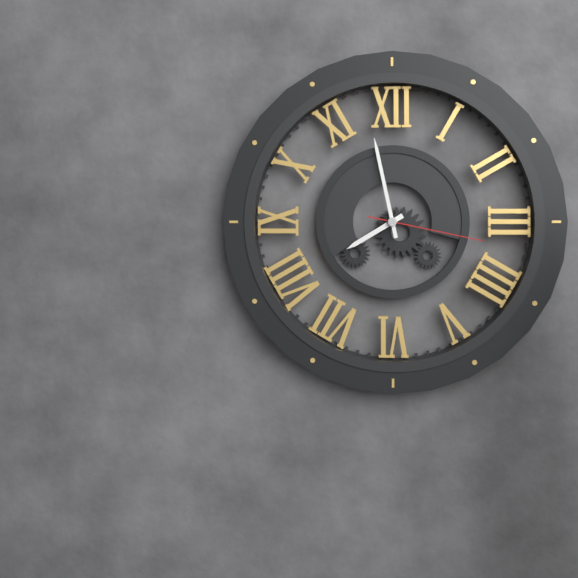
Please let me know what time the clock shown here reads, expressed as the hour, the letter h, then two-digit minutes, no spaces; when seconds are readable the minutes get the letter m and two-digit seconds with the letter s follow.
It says 7h58m17s
